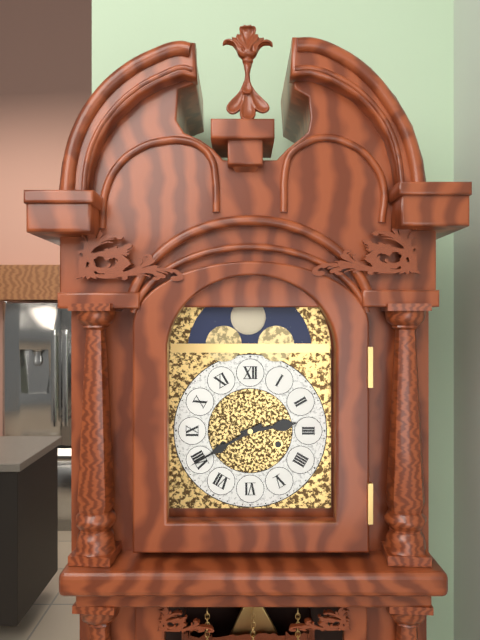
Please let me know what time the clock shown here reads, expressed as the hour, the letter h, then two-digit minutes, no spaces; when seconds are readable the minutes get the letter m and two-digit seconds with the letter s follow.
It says 2h40
